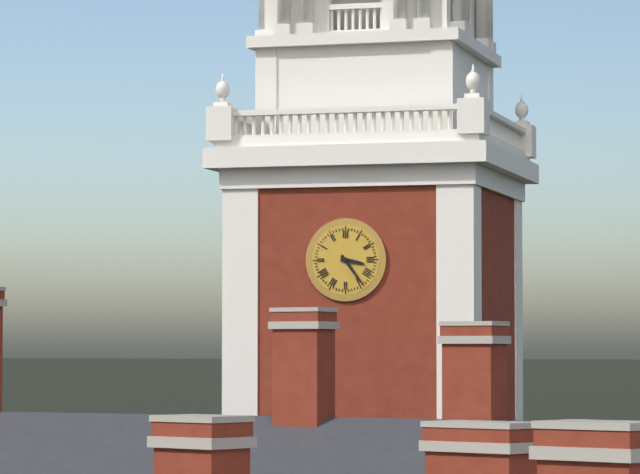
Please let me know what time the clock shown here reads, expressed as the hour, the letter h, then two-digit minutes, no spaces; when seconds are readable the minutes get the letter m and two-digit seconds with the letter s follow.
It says 3h24
